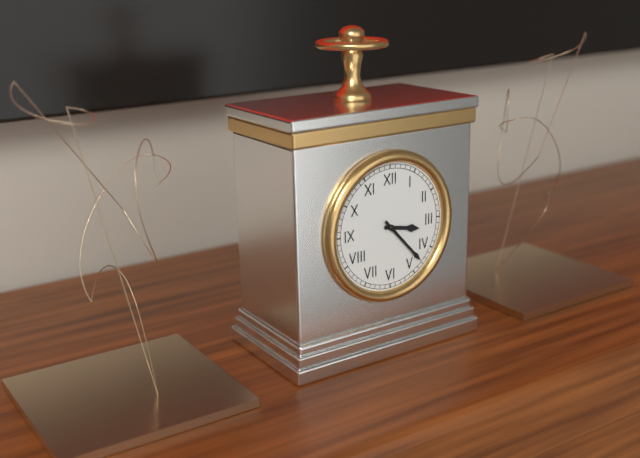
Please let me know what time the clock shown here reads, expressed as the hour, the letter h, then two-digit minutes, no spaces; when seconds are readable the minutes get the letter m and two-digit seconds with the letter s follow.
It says 3h23
